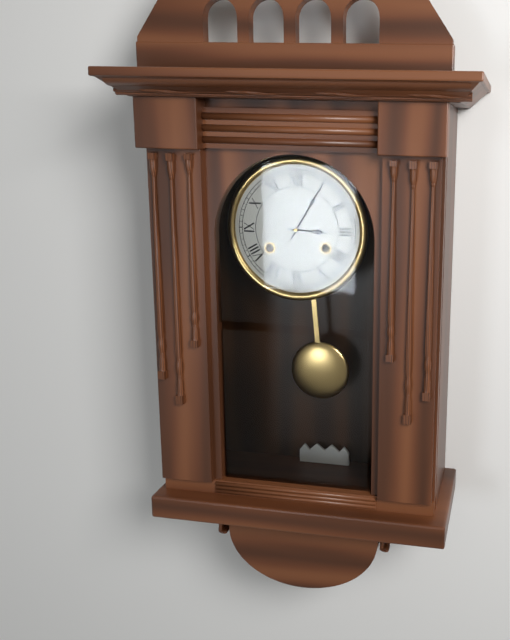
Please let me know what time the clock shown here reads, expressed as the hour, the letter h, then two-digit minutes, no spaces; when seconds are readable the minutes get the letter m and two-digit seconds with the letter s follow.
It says 3h05
